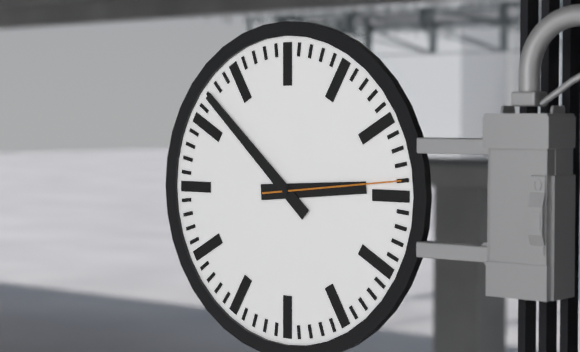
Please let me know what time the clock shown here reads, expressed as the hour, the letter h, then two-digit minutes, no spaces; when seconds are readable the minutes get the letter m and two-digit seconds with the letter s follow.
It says 2h52m14s
